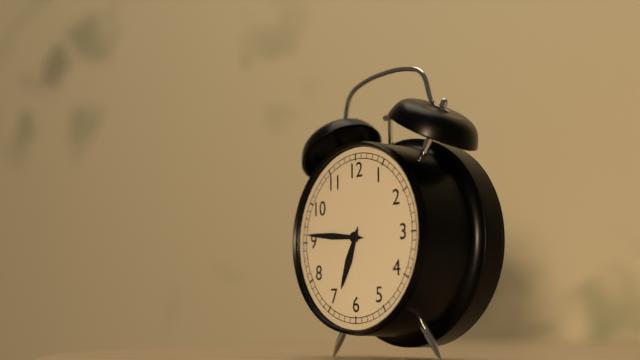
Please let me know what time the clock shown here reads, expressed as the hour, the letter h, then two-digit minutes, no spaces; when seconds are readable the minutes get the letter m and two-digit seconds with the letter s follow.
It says 6h46
